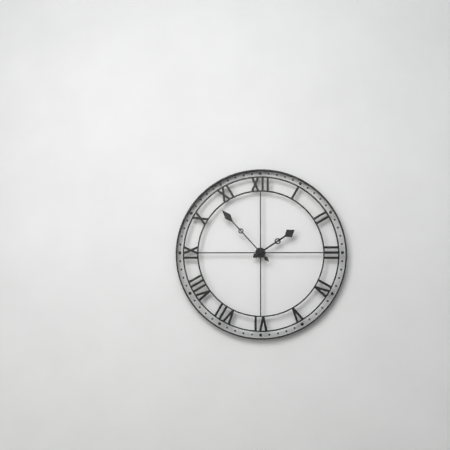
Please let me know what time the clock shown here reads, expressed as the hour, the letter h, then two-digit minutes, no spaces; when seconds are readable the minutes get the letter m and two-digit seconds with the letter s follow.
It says 1h53
